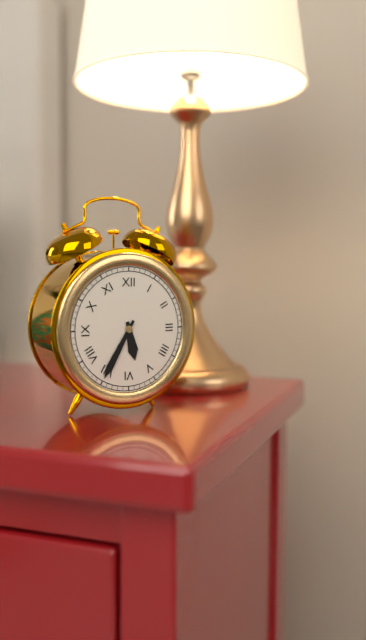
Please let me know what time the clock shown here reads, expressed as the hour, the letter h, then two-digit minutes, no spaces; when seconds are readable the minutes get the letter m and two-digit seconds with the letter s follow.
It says 5h35
